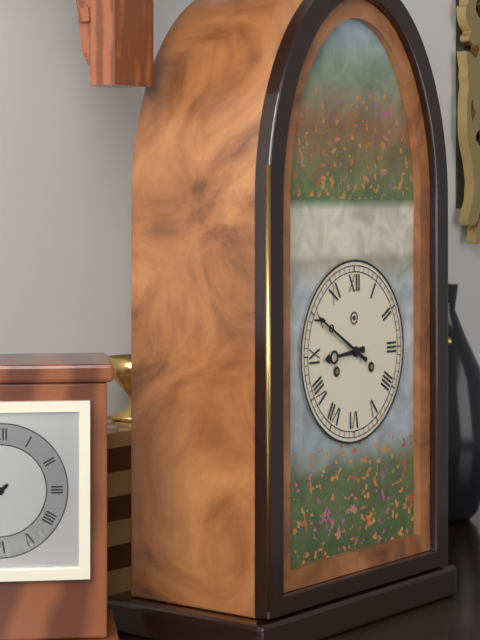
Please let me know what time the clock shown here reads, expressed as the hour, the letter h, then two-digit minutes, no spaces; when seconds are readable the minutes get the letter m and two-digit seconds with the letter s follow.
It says 8h50
